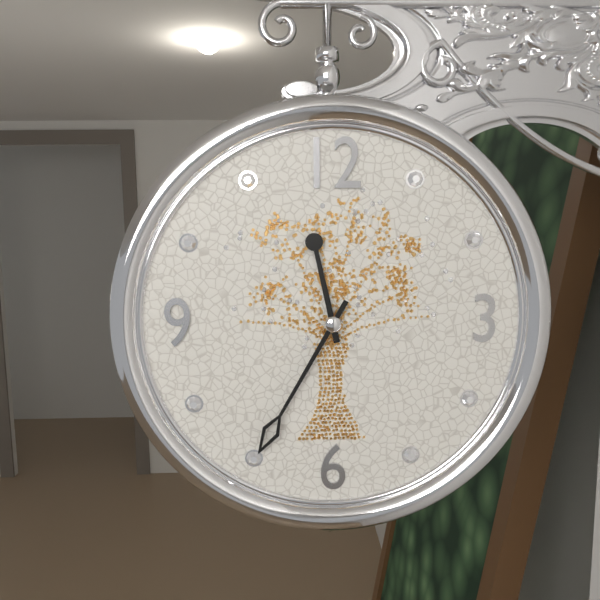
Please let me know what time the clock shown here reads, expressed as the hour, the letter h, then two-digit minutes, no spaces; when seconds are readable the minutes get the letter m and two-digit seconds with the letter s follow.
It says 11h35
